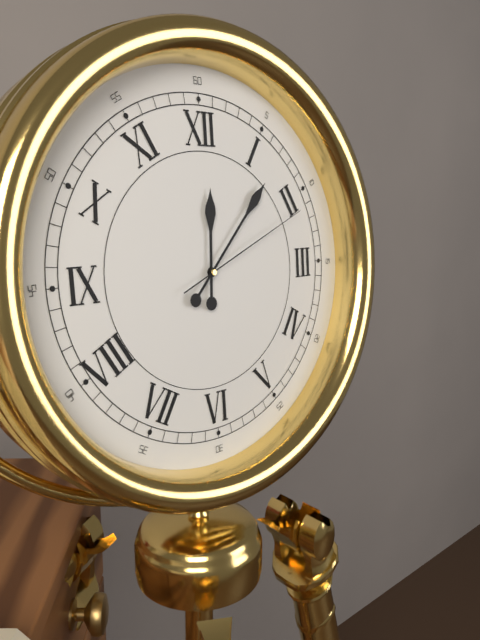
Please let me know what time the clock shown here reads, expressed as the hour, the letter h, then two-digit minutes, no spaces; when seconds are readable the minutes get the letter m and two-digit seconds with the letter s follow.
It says 12h07m11s
